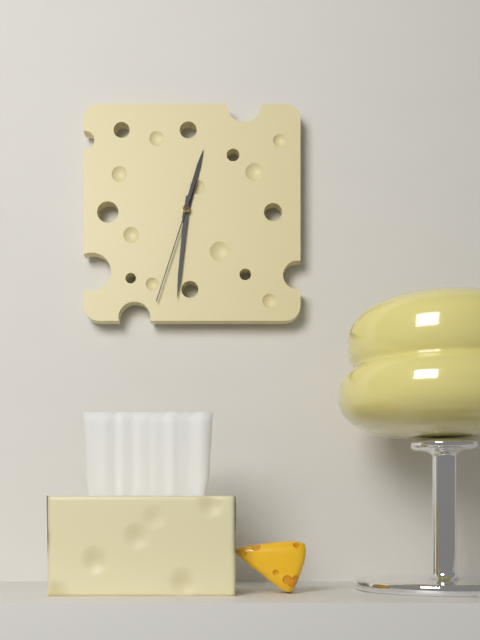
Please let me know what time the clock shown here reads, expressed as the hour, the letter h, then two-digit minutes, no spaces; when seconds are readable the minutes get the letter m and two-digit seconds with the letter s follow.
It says 12h31m33s
